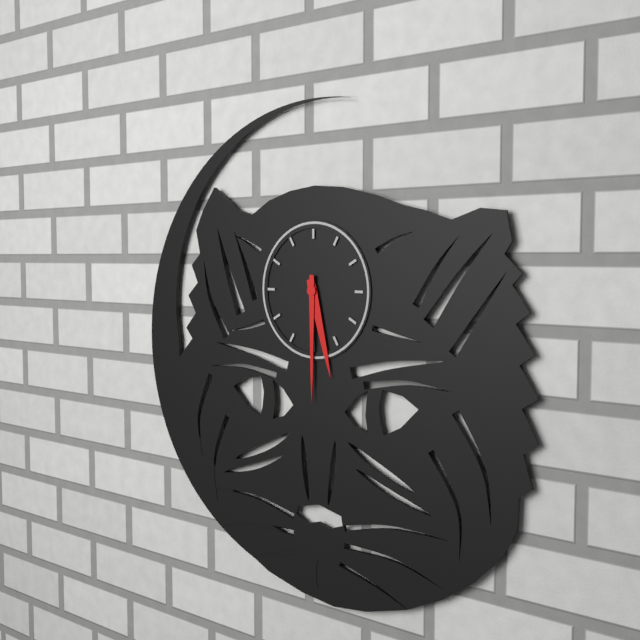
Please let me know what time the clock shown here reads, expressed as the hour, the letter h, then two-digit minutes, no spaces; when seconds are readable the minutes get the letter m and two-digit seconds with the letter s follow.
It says 5h30
